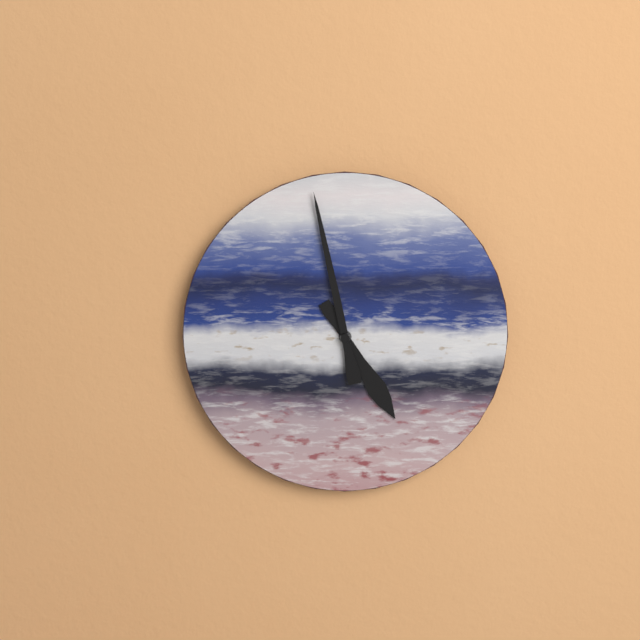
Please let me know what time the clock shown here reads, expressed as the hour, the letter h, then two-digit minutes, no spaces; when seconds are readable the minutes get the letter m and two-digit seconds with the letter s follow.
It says 4h58
